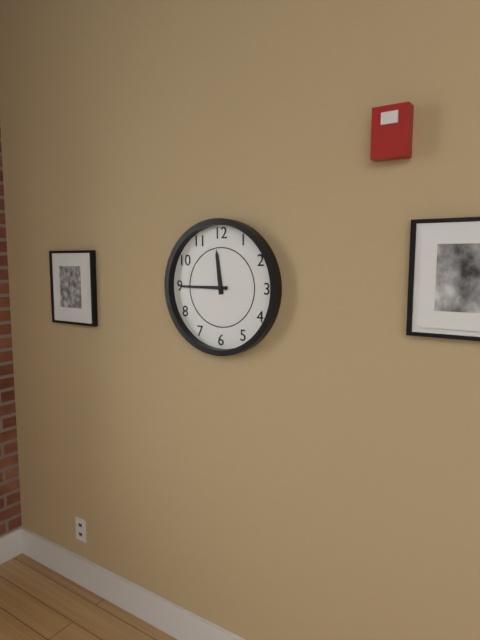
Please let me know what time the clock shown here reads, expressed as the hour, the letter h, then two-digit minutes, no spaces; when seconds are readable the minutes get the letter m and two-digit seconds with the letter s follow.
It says 11h45
